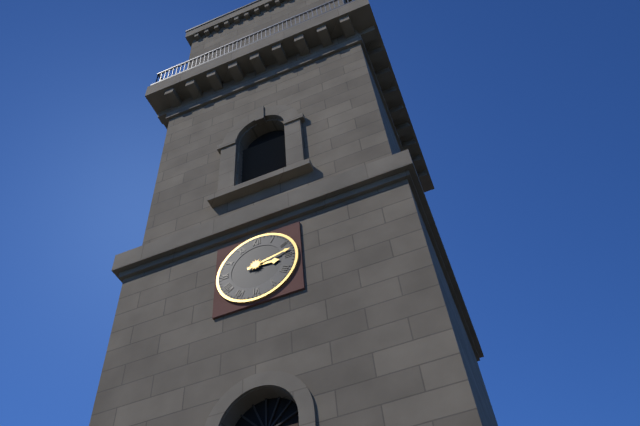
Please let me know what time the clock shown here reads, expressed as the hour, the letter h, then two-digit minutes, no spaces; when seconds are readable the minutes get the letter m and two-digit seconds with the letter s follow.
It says 3h13
